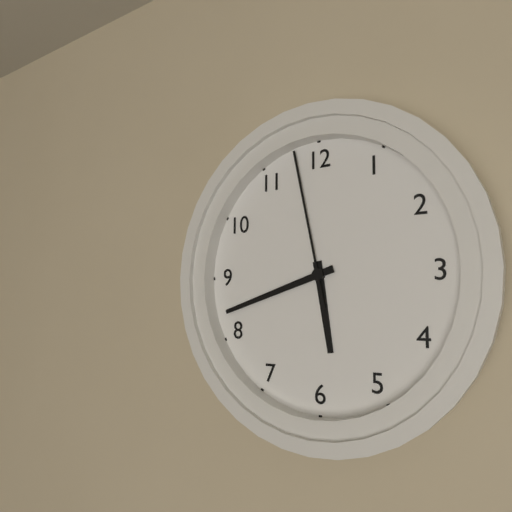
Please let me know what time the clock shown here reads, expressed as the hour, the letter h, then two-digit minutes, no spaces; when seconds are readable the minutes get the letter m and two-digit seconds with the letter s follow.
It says 5h42m58s
